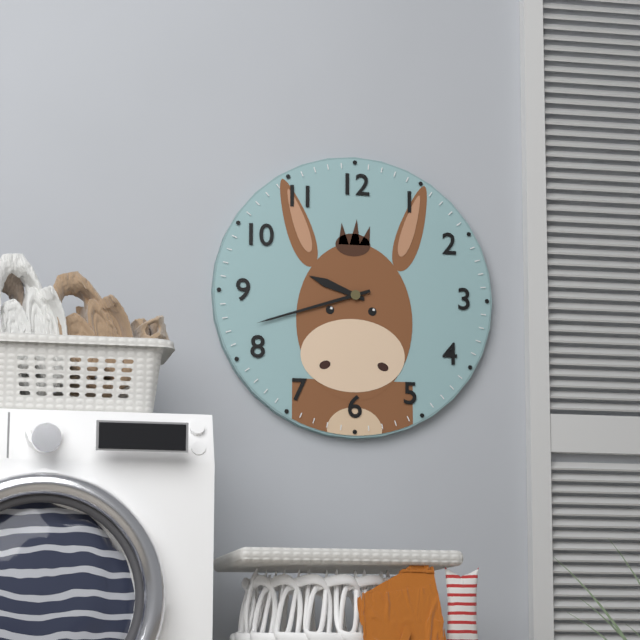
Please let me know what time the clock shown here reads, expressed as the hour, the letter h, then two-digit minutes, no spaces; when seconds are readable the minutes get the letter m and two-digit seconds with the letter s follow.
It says 9h42
